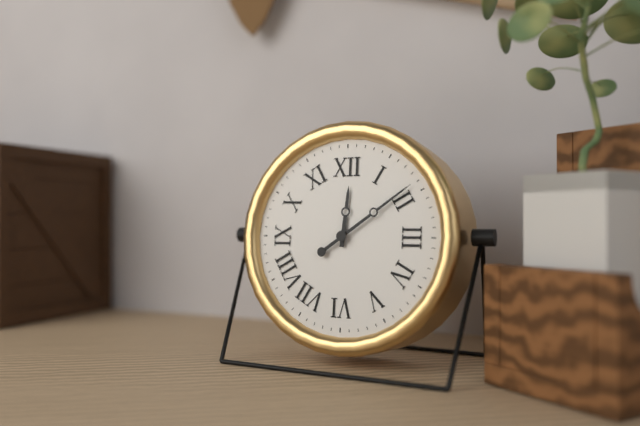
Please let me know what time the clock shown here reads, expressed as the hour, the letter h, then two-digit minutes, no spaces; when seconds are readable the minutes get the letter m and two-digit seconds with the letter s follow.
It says 12h09
